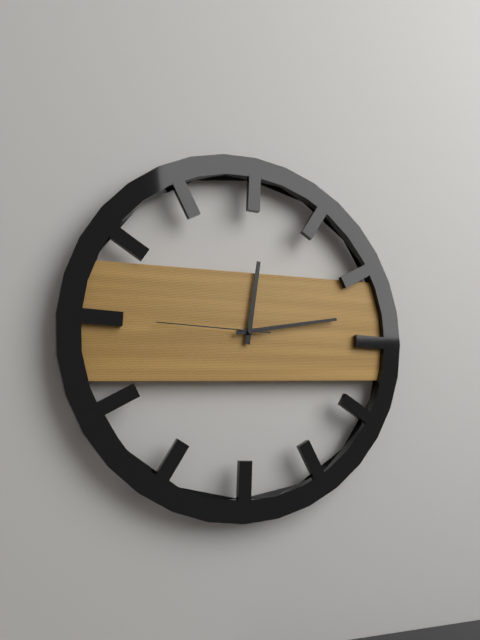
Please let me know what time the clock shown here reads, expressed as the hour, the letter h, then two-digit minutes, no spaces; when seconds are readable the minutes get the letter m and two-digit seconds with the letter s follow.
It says 12h13m45s
